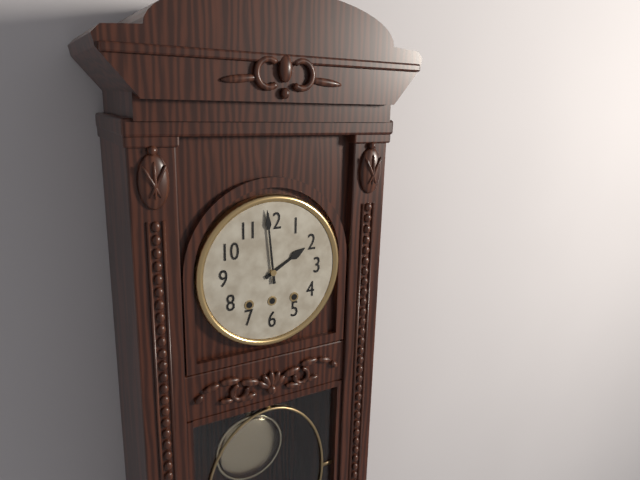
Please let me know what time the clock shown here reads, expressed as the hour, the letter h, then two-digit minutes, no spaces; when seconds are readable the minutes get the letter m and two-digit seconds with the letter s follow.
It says 1h59
